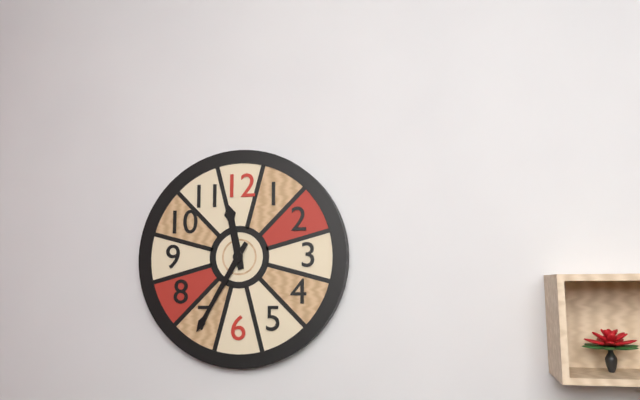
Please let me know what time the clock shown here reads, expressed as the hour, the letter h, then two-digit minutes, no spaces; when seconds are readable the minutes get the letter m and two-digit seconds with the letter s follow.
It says 11h35
